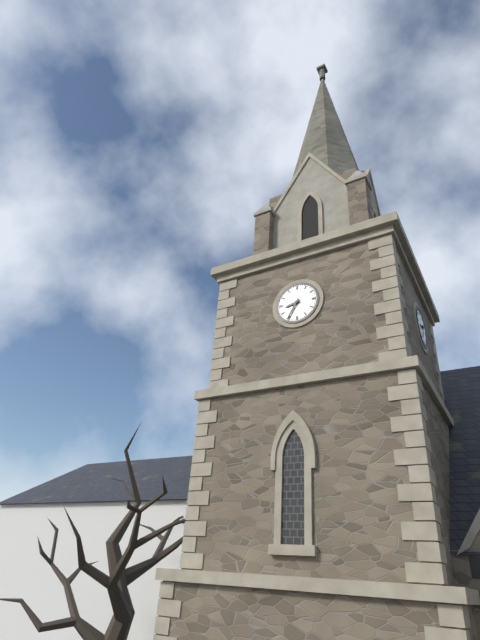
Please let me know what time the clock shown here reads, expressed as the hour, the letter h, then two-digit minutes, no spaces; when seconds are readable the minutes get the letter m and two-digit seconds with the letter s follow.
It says 8h35
